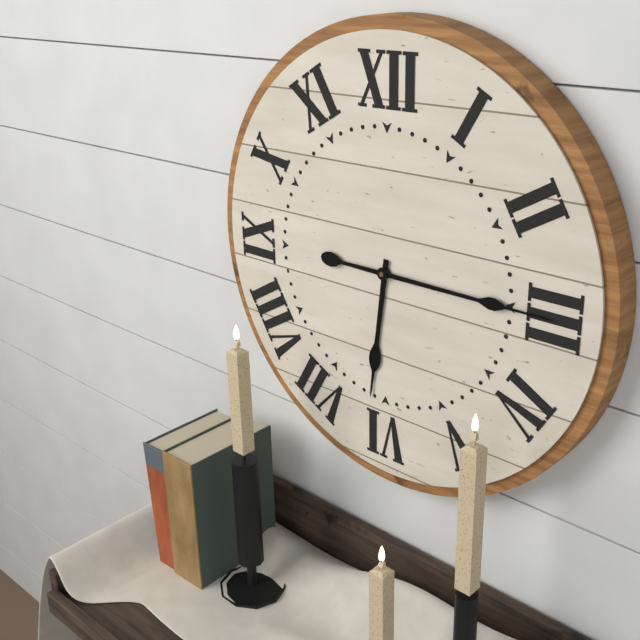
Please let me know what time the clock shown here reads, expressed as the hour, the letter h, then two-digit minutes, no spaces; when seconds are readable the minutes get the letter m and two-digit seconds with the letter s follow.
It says 6h15
